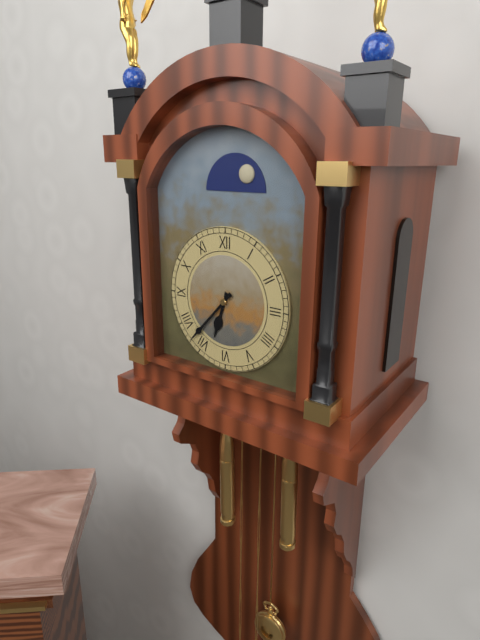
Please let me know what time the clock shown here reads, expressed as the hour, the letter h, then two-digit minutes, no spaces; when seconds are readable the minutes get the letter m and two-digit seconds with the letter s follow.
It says 6h37
